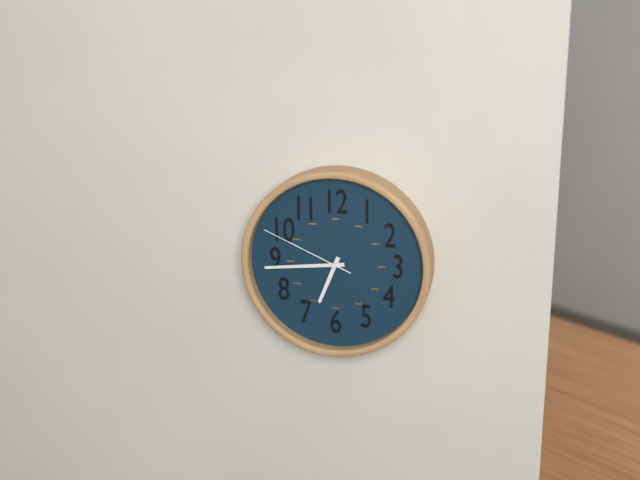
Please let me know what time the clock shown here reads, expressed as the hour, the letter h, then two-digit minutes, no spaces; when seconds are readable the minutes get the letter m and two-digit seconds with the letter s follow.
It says 6h44m49s
